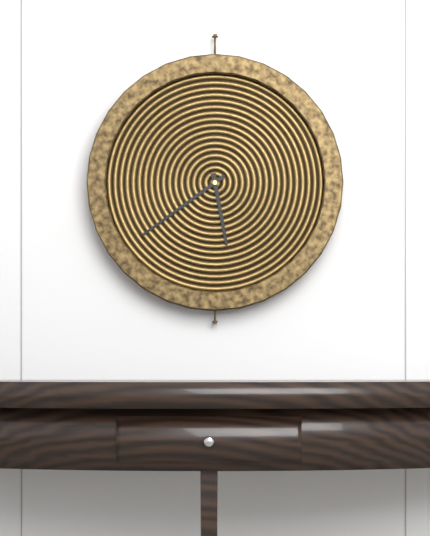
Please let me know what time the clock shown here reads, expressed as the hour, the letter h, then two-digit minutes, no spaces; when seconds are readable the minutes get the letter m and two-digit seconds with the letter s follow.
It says 5h39
